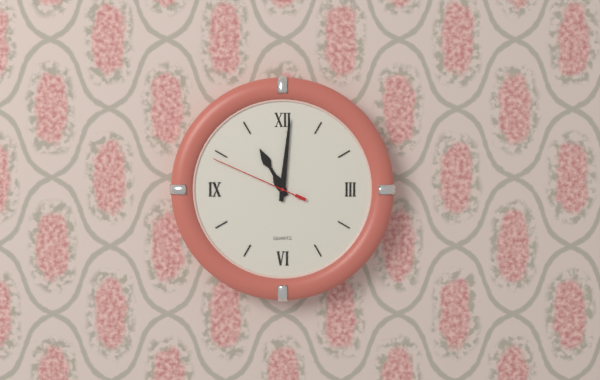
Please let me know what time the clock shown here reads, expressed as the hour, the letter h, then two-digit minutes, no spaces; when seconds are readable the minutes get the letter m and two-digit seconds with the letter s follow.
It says 11h01m49s
